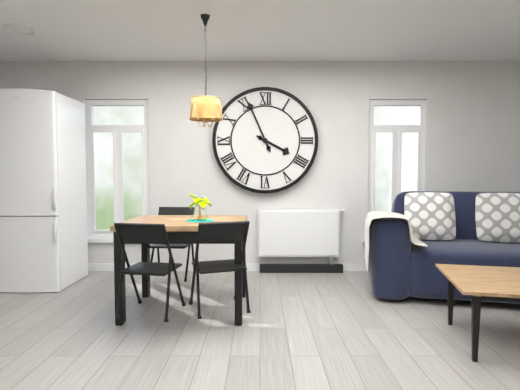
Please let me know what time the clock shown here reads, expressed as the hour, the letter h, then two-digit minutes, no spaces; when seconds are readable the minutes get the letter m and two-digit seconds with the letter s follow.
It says 3h56
